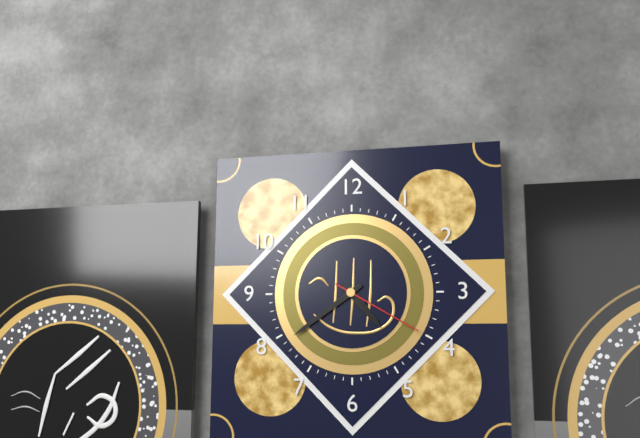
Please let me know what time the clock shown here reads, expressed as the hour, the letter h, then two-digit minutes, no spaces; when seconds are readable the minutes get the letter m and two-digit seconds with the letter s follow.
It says 4h39m20s
